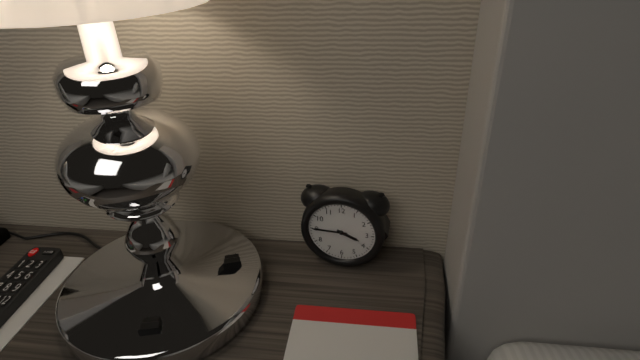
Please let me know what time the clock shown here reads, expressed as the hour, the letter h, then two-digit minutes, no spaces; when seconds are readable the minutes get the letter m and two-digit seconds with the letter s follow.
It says 3h45
